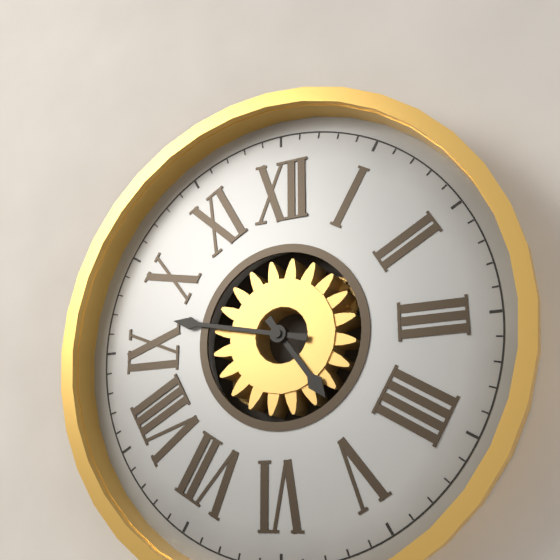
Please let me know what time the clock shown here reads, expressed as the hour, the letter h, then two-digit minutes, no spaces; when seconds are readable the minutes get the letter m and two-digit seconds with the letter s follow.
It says 4h47
